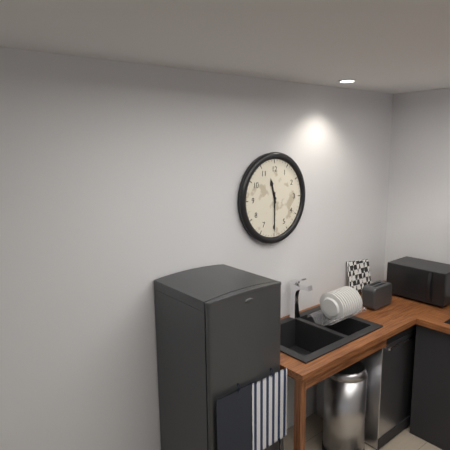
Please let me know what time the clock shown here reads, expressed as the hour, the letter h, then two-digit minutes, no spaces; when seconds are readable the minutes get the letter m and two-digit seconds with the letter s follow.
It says 11h30
